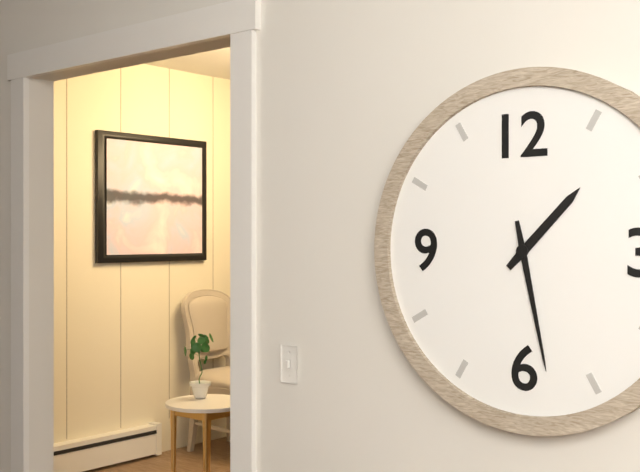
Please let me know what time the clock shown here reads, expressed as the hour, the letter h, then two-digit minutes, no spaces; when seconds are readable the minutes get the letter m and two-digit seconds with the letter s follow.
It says 1h28
